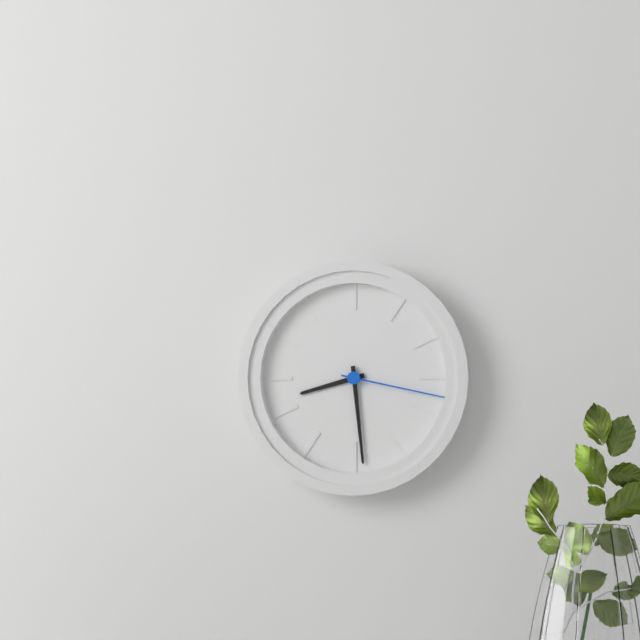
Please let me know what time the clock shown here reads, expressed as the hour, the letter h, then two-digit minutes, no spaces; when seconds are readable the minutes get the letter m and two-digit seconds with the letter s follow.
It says 8h29m17s
